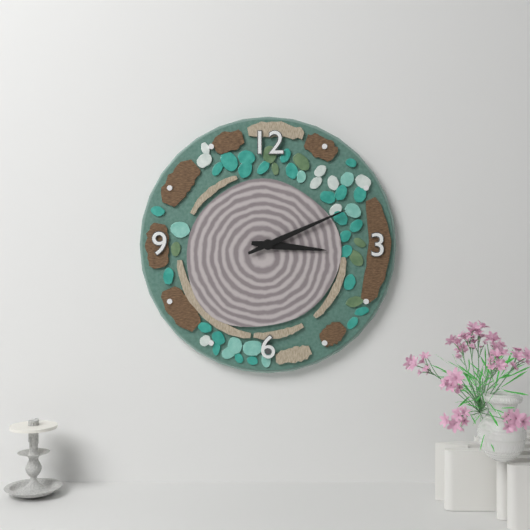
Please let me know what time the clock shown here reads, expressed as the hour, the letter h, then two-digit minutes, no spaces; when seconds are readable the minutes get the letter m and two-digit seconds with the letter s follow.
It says 3h11
